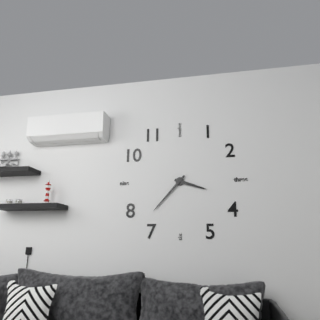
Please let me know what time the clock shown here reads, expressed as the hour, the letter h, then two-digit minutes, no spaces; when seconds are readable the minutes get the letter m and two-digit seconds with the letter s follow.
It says 3h37
